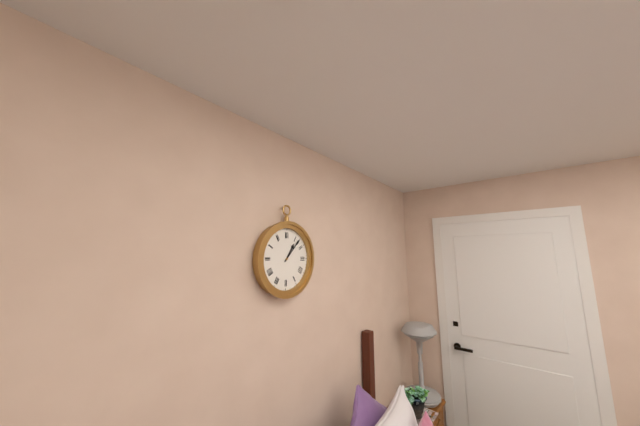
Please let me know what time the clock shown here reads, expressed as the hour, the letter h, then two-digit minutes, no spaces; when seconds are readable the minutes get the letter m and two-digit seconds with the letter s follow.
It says 1h07
